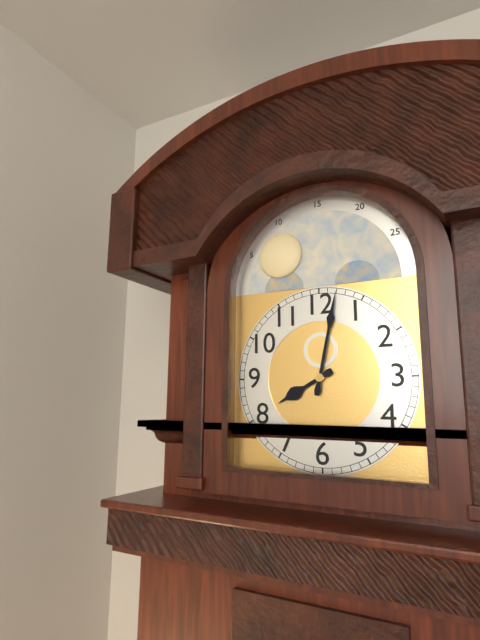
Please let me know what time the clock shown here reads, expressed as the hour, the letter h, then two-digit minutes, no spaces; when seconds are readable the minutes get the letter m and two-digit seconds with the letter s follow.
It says 8h02
